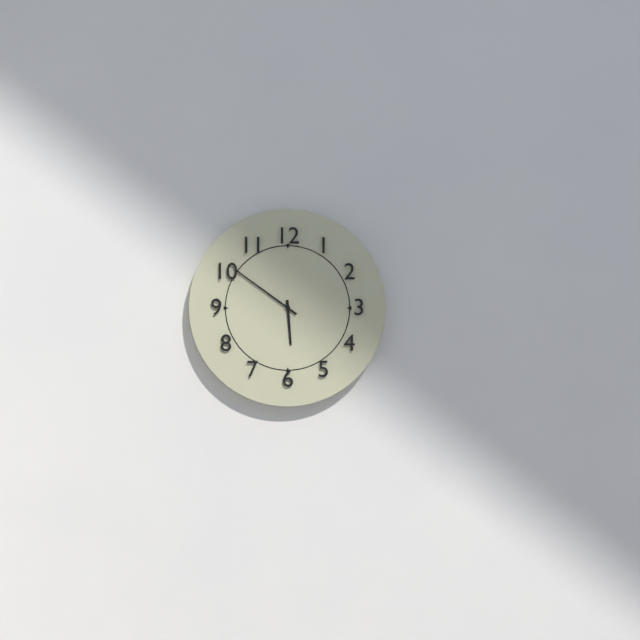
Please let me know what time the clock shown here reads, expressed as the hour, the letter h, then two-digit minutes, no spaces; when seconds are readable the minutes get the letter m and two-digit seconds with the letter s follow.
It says 5h51
